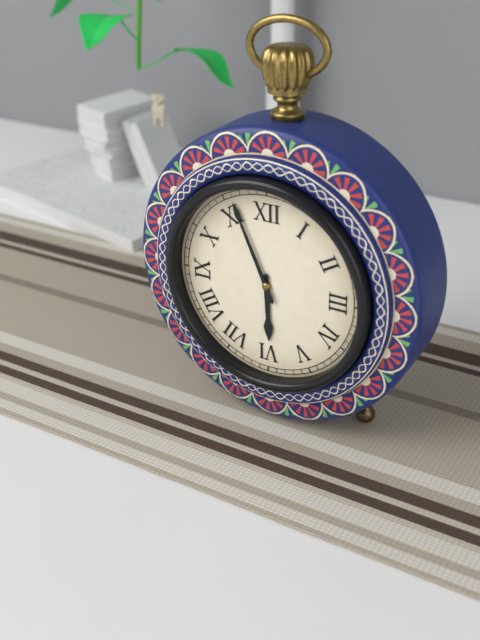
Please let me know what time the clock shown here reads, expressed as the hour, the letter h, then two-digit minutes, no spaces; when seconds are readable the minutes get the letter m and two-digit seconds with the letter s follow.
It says 5h56
